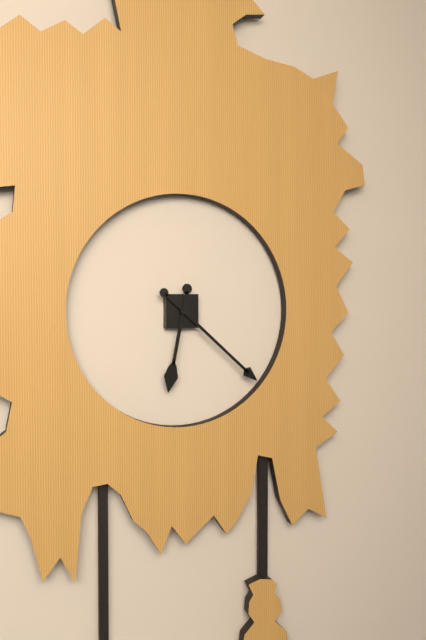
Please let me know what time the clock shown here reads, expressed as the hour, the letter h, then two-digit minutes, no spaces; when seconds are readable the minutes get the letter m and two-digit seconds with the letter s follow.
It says 6h22
